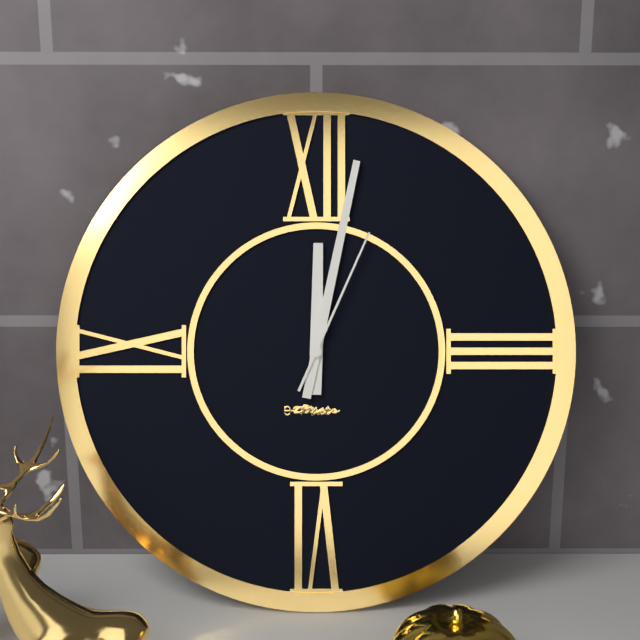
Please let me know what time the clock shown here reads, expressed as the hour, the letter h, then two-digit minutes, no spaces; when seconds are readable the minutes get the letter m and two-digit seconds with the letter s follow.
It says 12h02m04s
